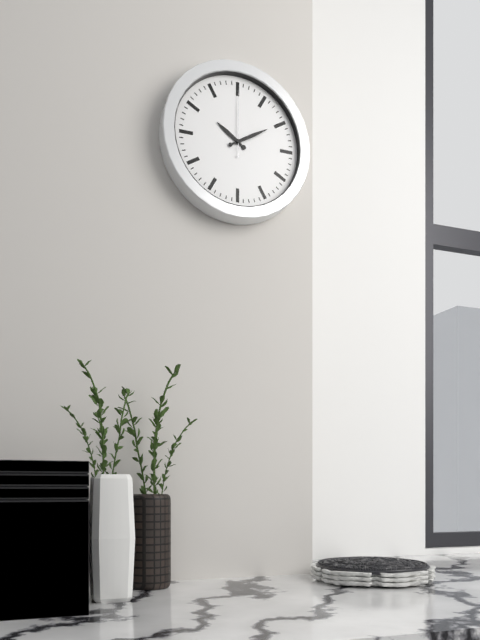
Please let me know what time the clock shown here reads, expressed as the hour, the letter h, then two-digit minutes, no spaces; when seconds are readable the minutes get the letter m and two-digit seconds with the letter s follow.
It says 10h10m00s
